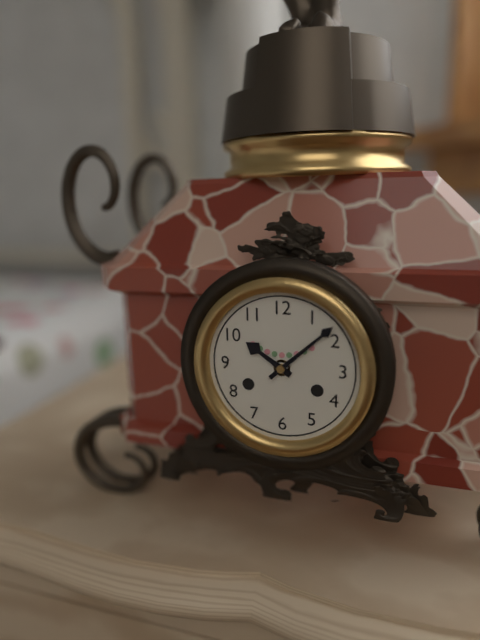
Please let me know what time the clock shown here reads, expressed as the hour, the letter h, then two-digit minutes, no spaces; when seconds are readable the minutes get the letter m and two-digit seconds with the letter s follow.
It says 10h08
